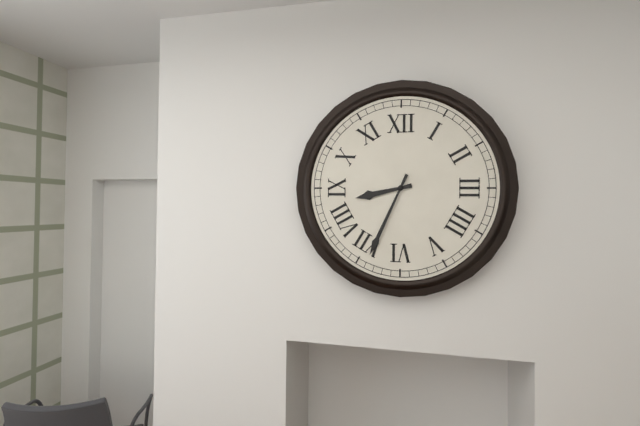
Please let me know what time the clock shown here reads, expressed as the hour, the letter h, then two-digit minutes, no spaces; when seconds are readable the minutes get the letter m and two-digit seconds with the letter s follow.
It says 8h34
